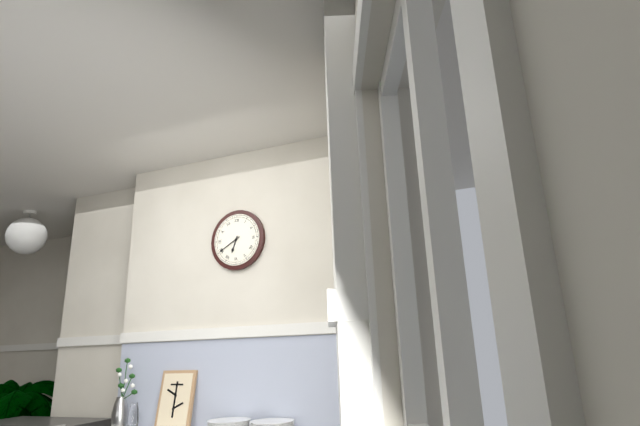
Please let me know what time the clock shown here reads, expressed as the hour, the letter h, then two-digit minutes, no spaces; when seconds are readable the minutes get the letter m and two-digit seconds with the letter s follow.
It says 6h40
